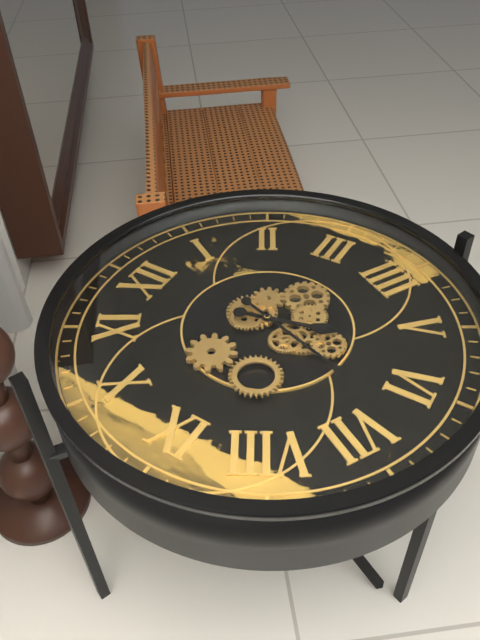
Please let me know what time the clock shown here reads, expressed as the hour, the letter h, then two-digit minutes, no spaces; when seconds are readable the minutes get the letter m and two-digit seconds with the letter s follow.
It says 5h33
